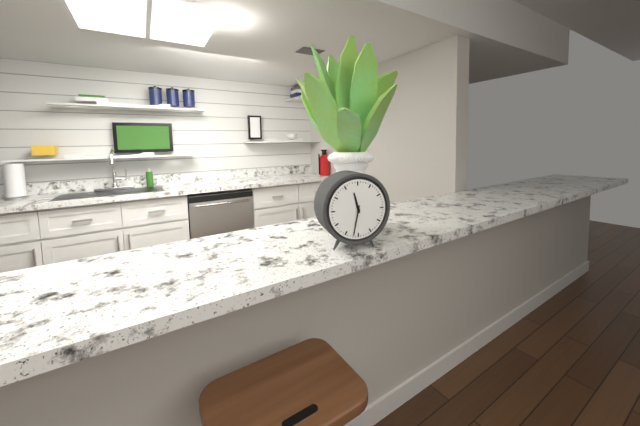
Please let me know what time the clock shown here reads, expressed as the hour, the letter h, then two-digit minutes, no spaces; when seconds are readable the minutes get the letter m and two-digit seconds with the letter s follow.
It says 11h32
